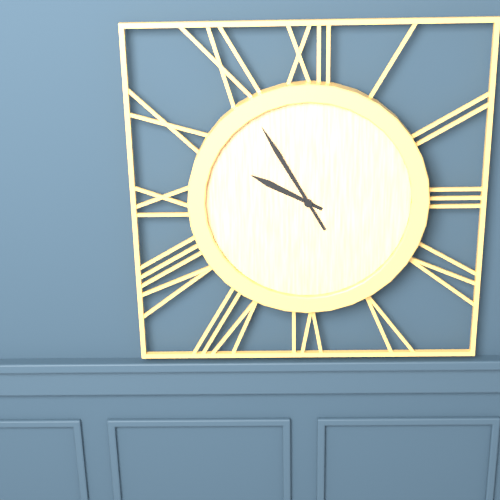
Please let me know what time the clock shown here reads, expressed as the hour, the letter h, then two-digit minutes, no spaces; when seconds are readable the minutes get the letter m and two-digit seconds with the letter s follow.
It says 9h55
